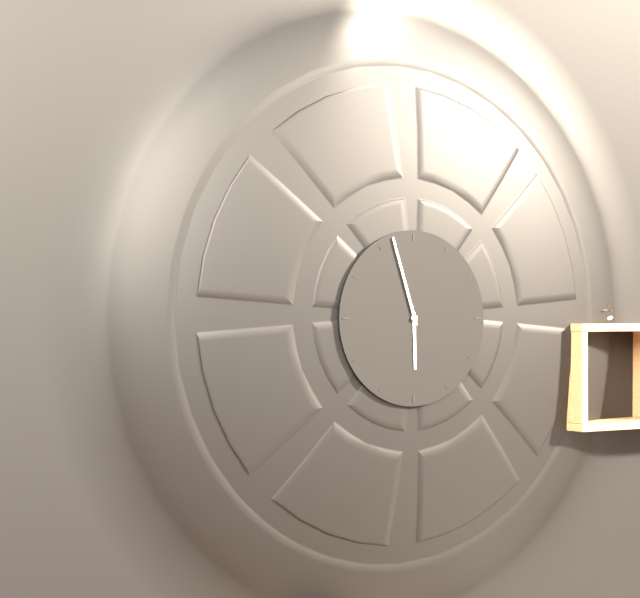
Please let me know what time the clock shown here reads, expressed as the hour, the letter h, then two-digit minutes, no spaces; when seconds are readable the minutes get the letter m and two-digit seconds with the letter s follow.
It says 5h57
